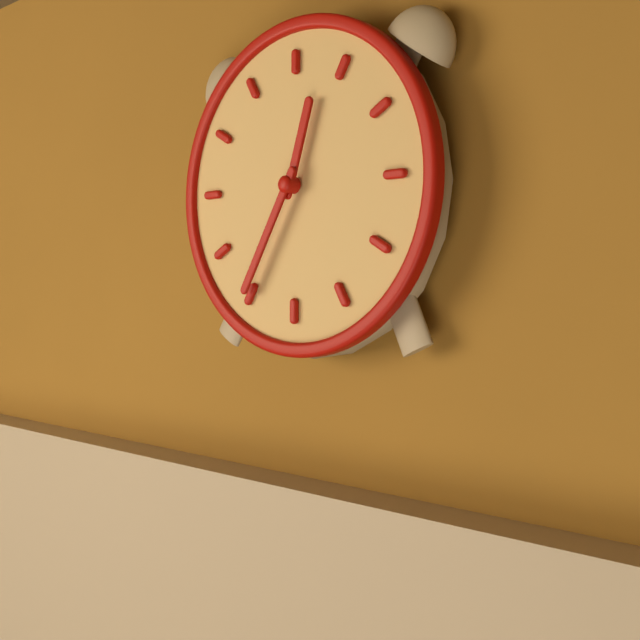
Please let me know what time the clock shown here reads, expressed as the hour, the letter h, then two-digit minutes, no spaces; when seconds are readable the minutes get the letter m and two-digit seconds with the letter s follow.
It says 12h35
